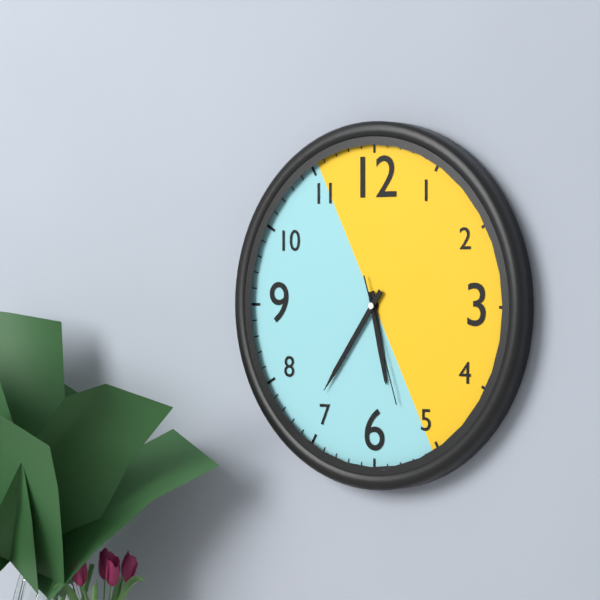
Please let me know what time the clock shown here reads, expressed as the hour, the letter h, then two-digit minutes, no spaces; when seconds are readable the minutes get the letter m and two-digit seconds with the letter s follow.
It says 5h36m27s
